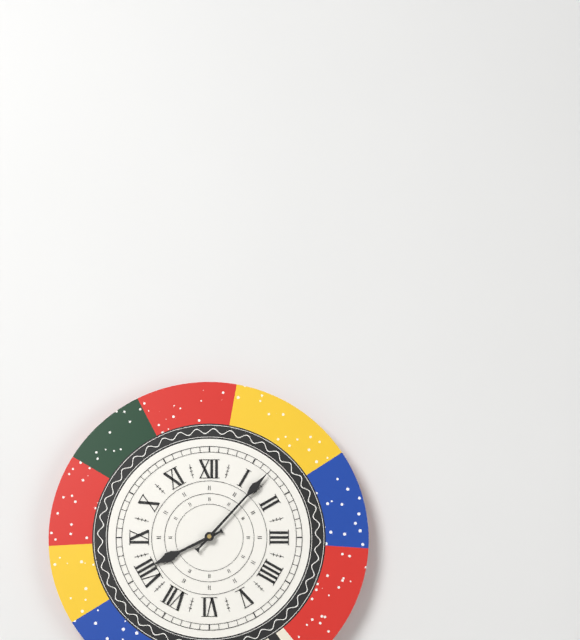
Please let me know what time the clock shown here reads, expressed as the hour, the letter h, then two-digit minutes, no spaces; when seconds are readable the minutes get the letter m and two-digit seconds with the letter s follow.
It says 8h07
